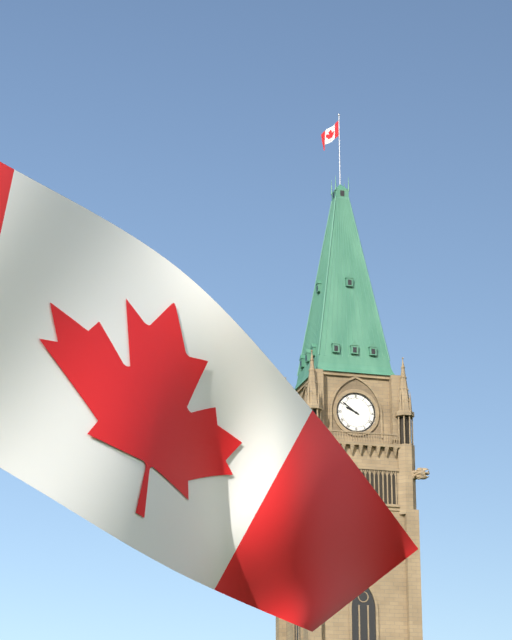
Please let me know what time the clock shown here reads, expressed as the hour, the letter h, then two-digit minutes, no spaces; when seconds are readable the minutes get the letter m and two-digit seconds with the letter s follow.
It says 9h51
